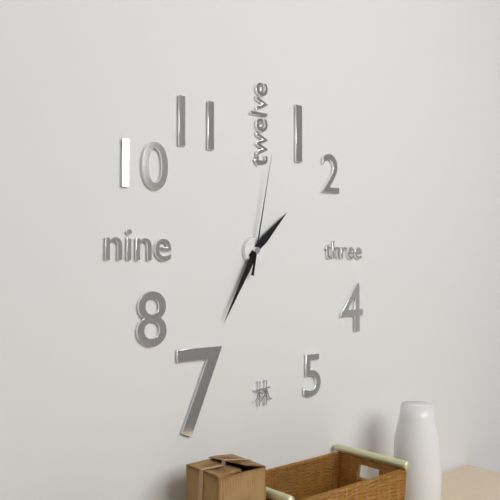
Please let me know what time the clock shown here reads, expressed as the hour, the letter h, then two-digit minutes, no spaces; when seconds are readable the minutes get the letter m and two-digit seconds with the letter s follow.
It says 1h35m02s
